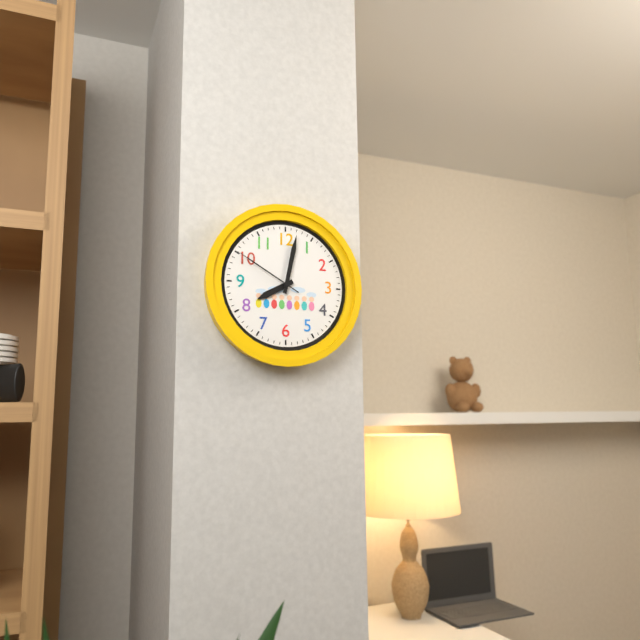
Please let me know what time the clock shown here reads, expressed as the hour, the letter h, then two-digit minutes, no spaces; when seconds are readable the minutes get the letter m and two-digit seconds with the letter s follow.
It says 8h02m50s
